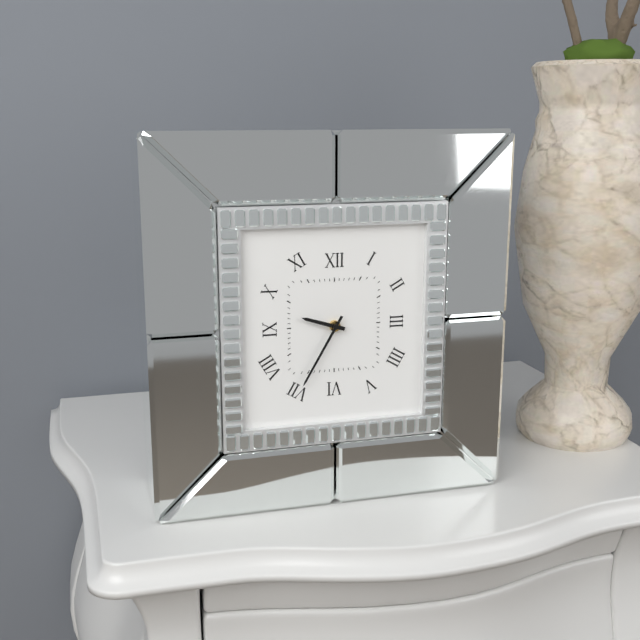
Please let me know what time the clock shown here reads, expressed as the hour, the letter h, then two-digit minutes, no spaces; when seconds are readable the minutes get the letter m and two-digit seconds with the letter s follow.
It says 9h35
